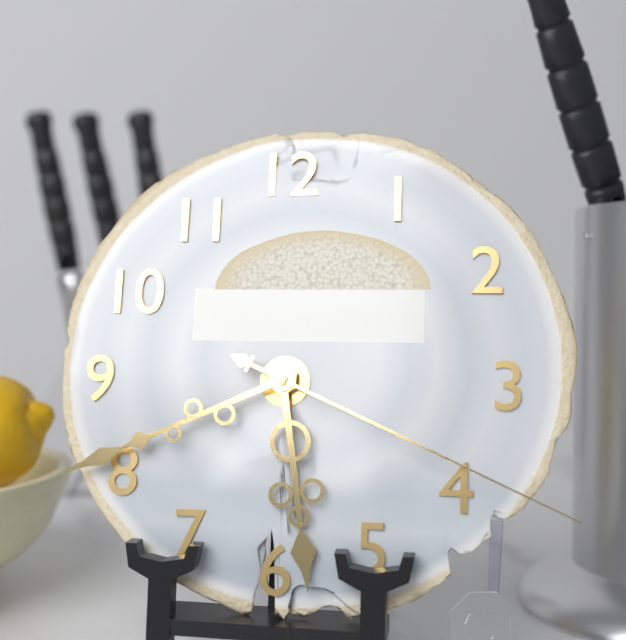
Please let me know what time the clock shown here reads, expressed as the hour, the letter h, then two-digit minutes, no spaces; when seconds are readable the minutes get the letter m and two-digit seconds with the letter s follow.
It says 5h41m19s
